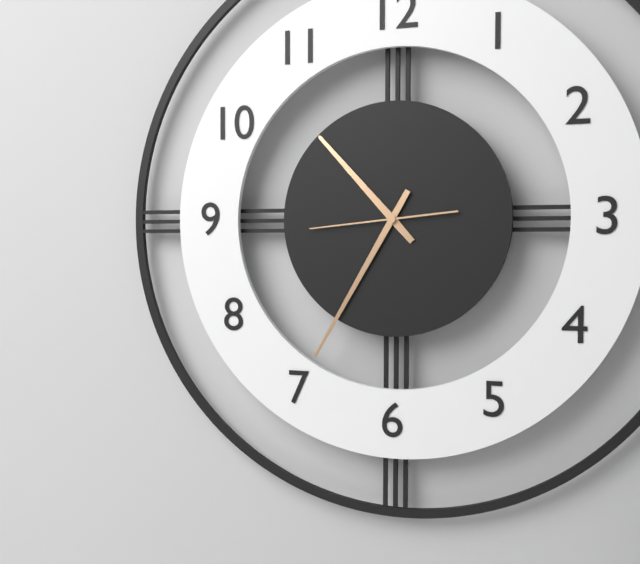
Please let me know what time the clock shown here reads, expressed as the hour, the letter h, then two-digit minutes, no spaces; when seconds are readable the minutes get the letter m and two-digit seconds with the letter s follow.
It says 10h35m44s
